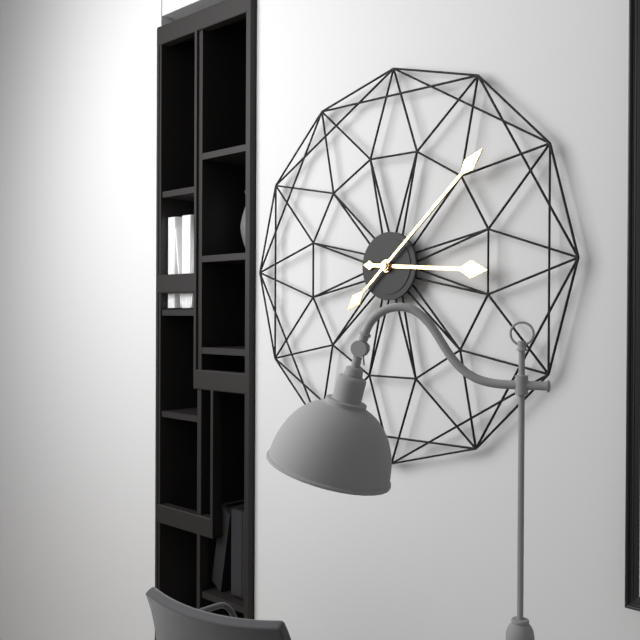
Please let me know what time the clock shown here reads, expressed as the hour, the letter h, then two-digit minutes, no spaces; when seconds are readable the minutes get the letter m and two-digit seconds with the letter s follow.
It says 3h08
